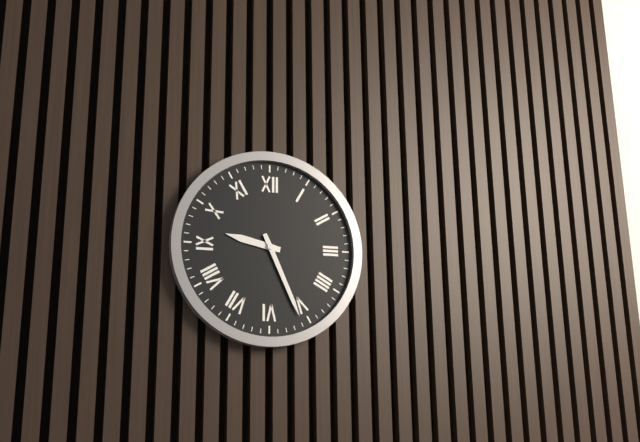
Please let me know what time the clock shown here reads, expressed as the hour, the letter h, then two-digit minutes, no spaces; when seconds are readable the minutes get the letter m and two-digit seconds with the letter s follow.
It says 9h26
